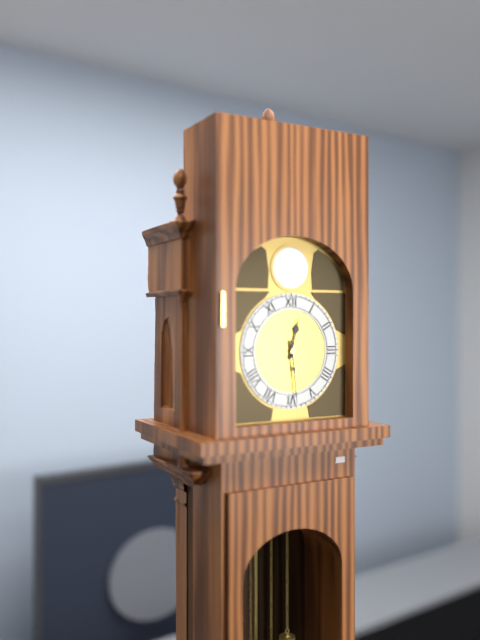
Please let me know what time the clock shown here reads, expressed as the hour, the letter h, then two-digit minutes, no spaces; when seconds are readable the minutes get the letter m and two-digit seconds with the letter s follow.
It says 12h29
